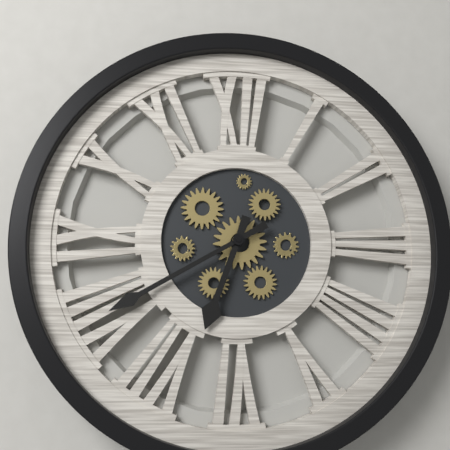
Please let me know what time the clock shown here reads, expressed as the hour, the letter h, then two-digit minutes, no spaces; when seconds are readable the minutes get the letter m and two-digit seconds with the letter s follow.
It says 6h40
